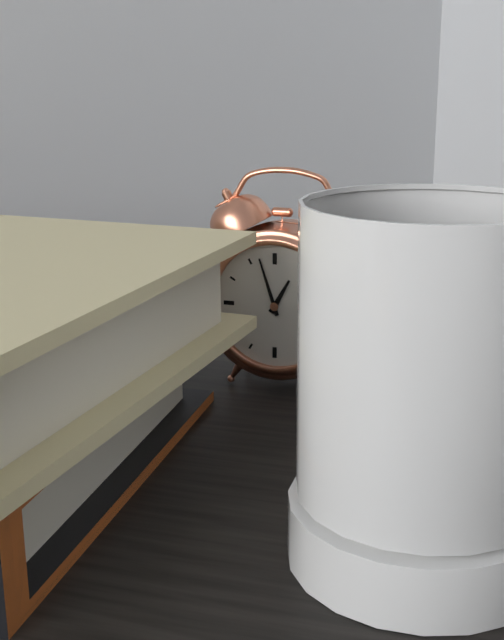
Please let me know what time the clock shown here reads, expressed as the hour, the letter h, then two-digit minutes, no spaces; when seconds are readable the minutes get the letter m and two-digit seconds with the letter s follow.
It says 12h57
